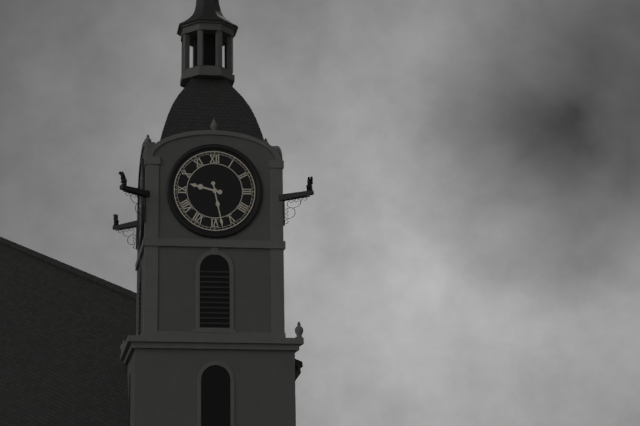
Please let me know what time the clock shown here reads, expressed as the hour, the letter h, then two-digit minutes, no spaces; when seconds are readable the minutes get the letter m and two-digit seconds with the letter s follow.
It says 9h28
